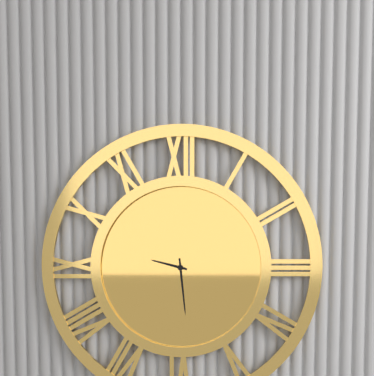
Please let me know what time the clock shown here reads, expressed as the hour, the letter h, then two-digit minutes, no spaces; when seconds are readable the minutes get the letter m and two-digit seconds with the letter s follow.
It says 9h29
